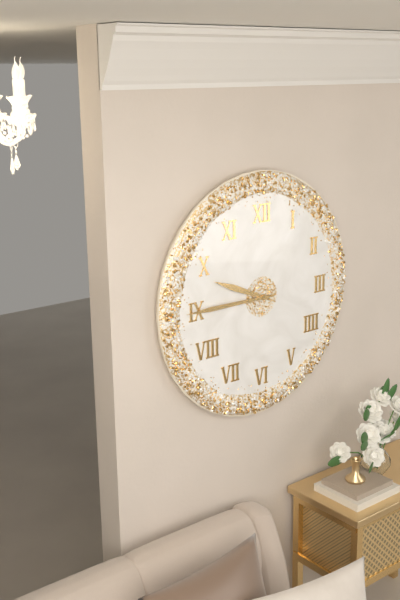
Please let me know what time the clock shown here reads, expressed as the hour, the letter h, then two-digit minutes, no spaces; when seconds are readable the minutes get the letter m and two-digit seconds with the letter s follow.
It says 9h45
